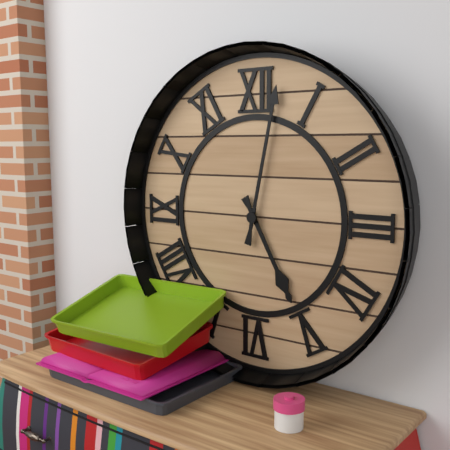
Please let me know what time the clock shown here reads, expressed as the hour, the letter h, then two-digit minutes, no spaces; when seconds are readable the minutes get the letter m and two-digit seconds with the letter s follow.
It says 5h02
